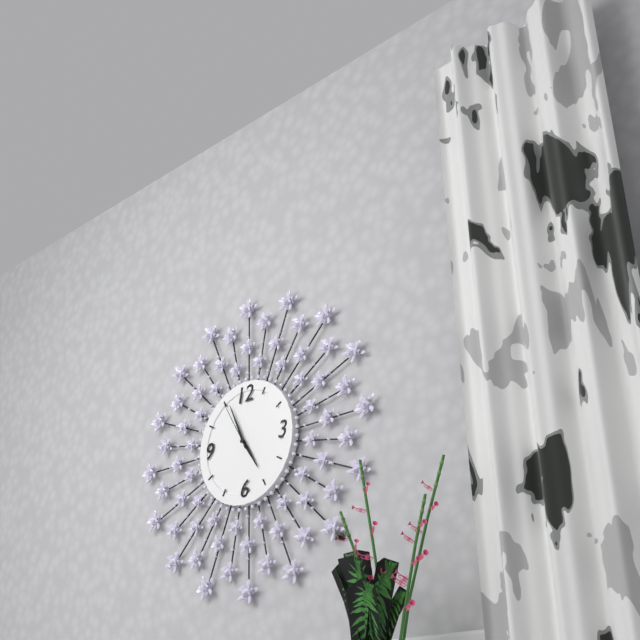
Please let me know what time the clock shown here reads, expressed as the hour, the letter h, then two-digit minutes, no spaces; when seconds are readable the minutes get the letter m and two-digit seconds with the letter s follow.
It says 4h56m55s
